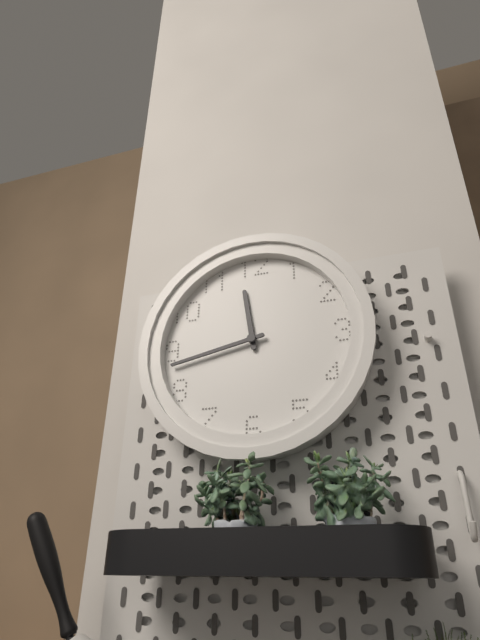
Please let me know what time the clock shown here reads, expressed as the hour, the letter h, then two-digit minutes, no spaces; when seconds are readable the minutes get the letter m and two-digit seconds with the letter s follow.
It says 11h43
